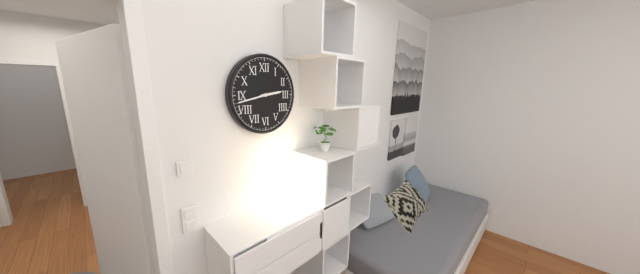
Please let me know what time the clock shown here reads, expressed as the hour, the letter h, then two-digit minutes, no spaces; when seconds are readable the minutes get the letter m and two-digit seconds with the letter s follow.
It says 2h43
